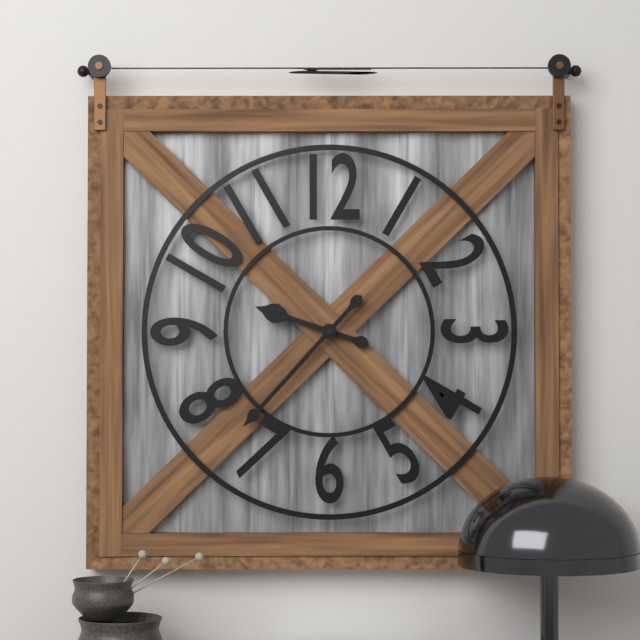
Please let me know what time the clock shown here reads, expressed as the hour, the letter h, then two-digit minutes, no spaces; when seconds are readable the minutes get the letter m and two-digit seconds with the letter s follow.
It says 9h37
